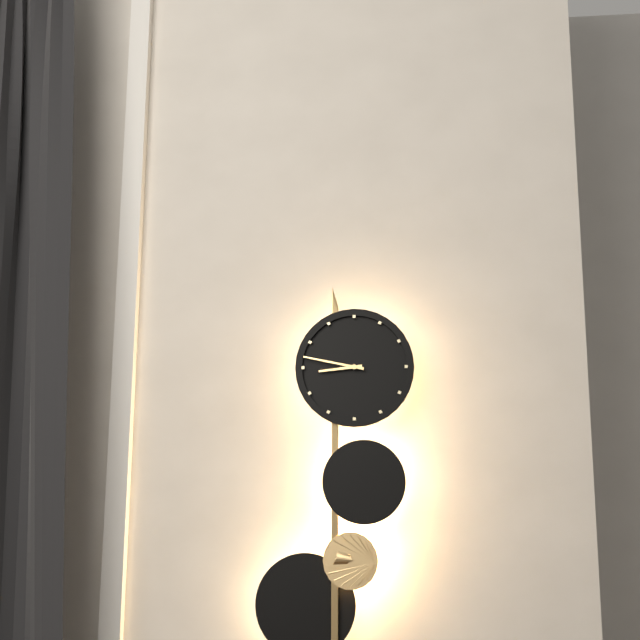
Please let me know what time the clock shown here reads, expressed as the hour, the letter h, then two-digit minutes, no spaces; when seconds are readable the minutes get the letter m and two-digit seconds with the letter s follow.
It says 8h47
